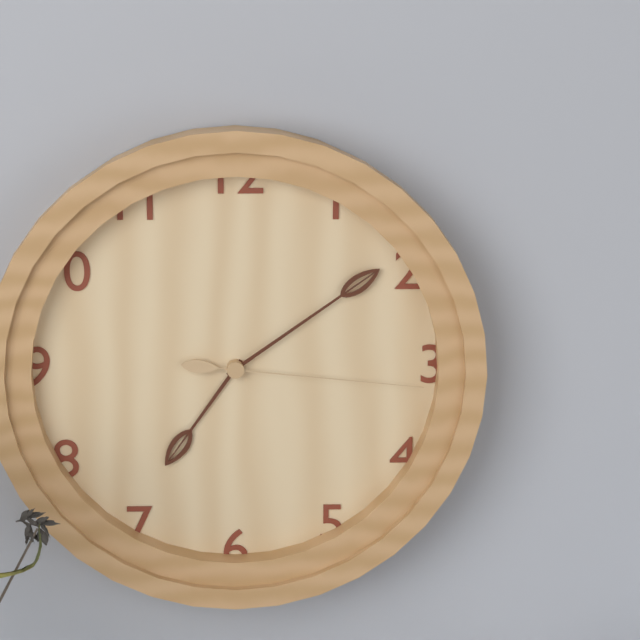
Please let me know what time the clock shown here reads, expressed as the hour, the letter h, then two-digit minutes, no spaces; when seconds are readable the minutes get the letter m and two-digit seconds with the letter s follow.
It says 7h09m16s
